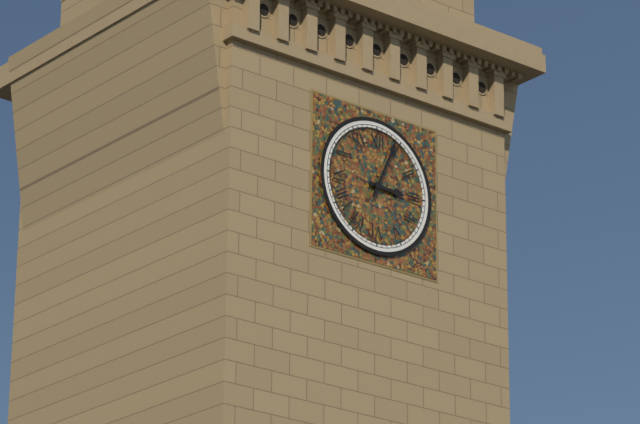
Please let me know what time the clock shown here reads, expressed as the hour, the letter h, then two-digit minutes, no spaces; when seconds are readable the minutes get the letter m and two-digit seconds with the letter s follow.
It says 3h04
